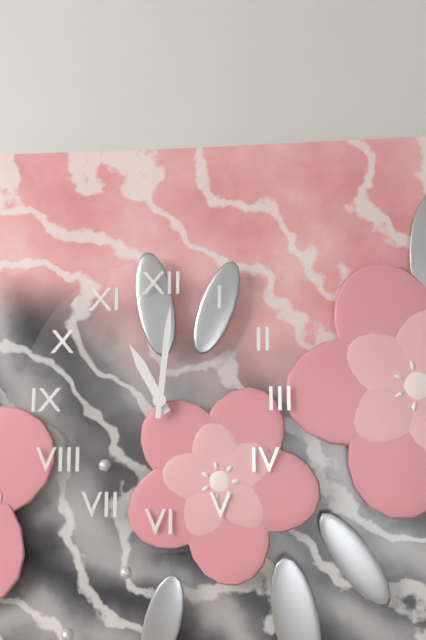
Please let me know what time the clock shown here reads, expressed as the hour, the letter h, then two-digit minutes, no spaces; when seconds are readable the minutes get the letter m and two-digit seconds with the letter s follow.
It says 11h01
